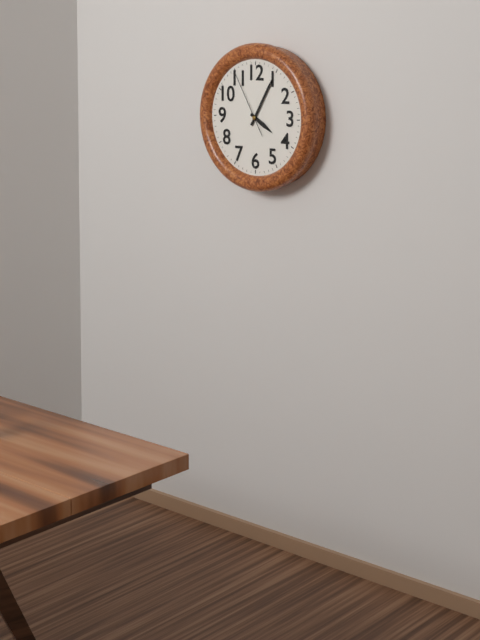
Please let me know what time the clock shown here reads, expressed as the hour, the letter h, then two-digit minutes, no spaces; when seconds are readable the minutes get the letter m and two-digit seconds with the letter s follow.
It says 4h05m55s
